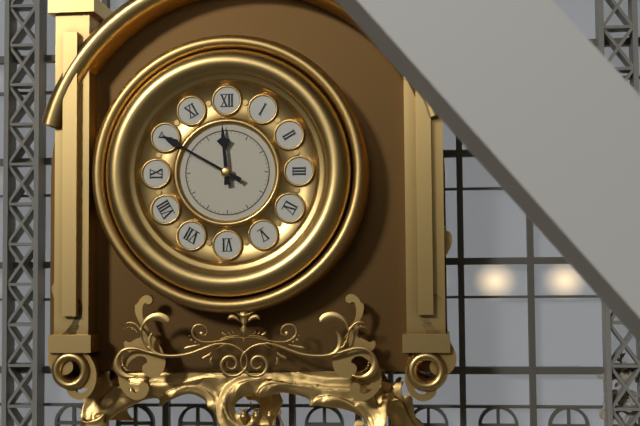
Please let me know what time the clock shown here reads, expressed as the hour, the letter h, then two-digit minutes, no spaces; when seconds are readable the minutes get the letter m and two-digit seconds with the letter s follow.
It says 11h50
